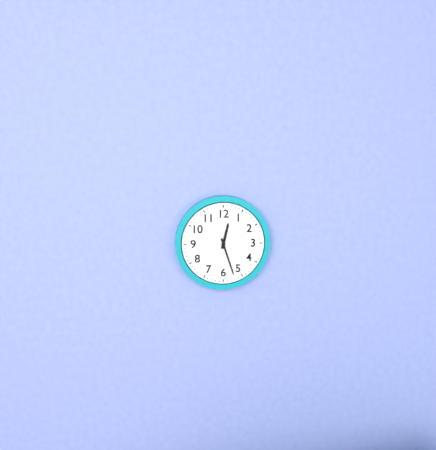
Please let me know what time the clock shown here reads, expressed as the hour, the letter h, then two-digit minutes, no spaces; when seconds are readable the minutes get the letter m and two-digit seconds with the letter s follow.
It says 12h27
